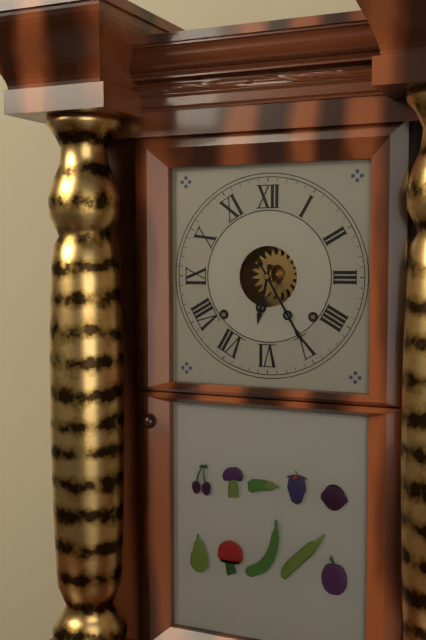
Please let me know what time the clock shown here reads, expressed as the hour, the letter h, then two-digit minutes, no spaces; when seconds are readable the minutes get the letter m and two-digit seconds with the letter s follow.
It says 6h25
